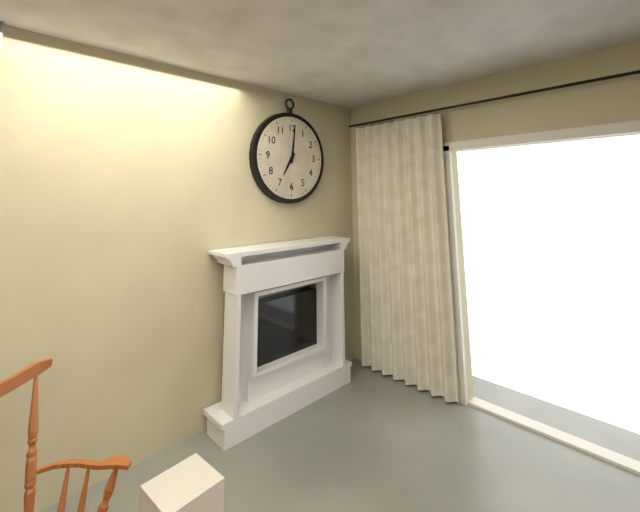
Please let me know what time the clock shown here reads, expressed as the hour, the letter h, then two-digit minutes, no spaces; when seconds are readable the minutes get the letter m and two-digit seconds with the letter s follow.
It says 7h01
